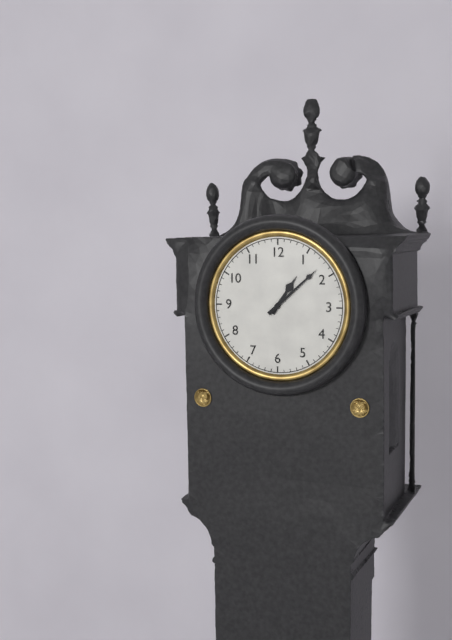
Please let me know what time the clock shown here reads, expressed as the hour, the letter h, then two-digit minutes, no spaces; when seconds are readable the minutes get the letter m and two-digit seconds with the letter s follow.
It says 1h08
